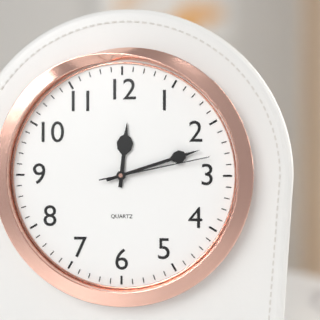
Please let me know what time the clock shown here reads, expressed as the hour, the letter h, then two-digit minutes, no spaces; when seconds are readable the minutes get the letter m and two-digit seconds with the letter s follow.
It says 12h12m13s
